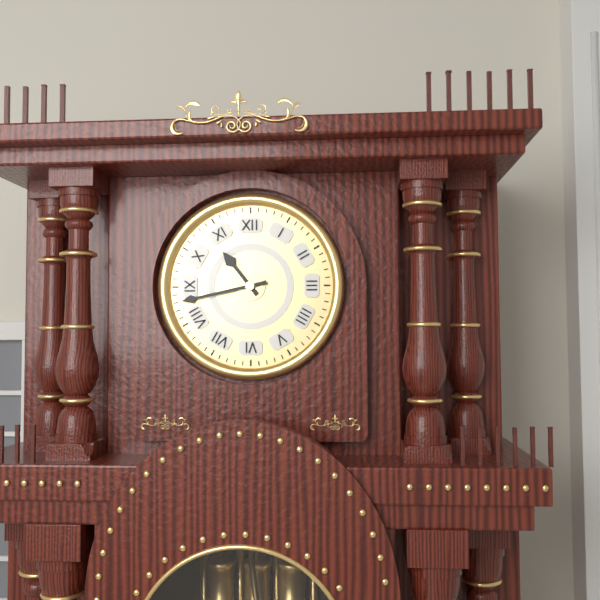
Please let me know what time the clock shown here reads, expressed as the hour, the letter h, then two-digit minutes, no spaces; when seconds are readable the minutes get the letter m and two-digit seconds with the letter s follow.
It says 10h43
